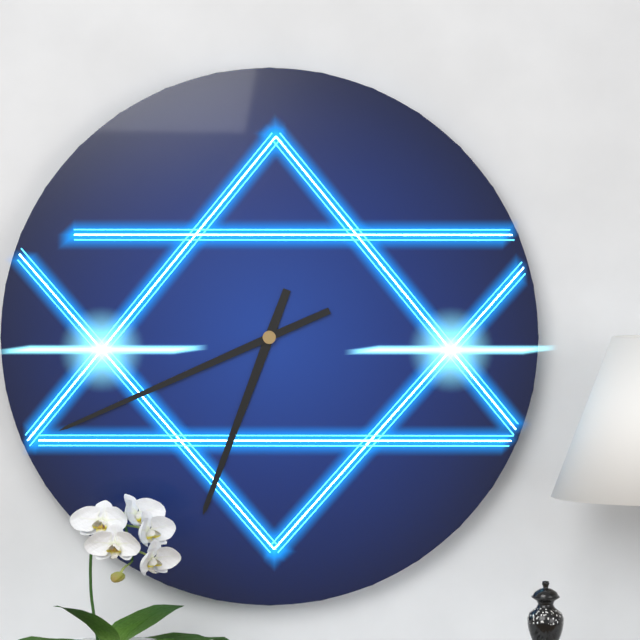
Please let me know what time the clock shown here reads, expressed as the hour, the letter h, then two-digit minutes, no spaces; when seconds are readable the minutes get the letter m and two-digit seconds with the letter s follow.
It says 6h41
